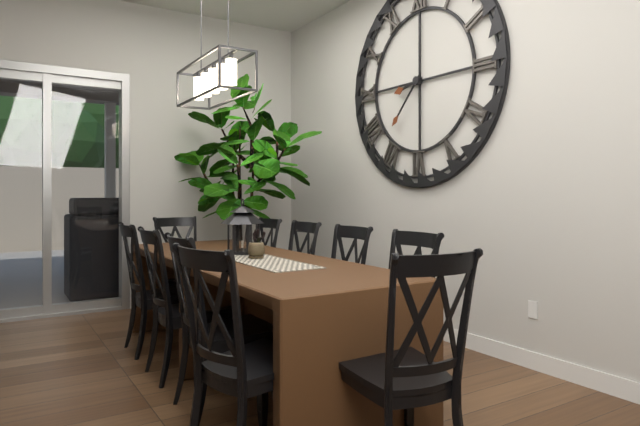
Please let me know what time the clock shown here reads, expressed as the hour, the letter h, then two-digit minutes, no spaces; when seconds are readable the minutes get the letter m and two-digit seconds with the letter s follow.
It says 8h37
